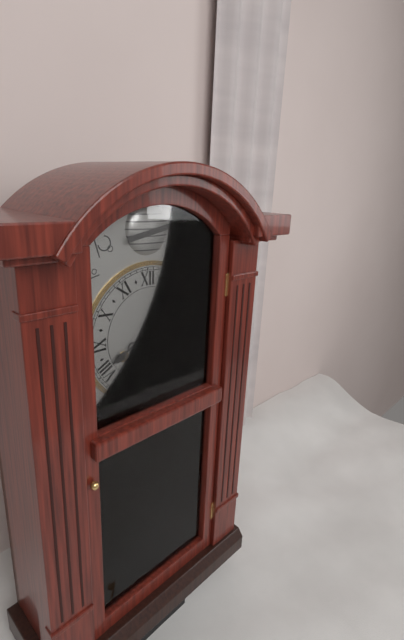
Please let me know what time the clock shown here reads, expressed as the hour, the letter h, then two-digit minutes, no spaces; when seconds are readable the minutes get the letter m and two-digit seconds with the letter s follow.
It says 8h06
